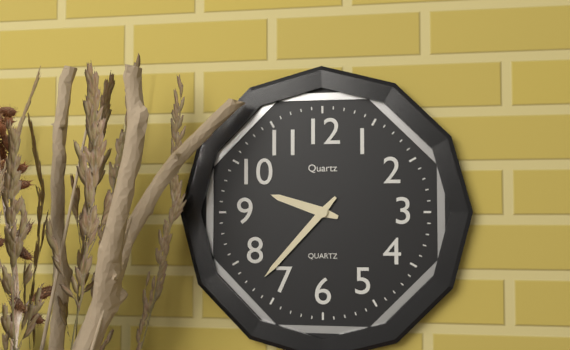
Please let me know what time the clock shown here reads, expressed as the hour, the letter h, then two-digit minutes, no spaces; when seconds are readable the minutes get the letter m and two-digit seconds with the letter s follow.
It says 9h37
